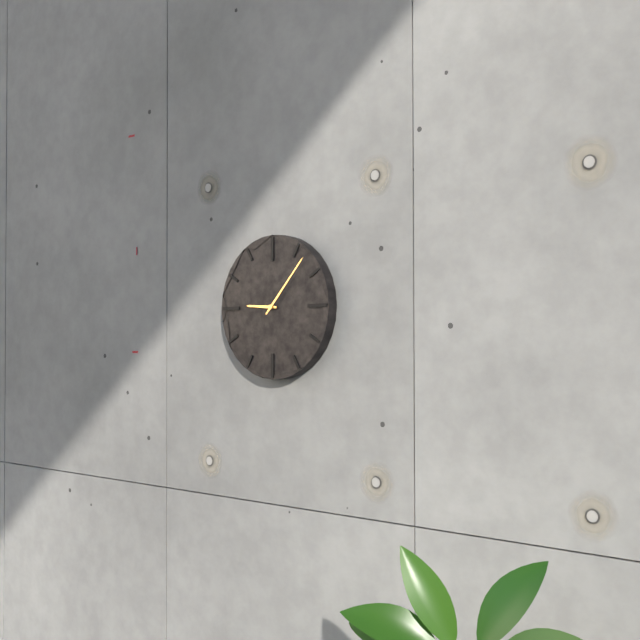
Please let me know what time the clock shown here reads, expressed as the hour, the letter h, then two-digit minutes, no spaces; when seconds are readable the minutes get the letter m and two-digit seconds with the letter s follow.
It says 9h07
